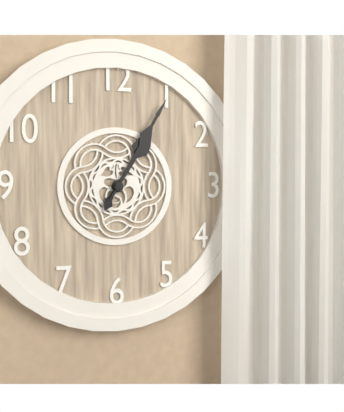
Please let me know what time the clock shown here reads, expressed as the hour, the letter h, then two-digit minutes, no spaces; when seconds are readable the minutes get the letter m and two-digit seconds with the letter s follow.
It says 1h05
